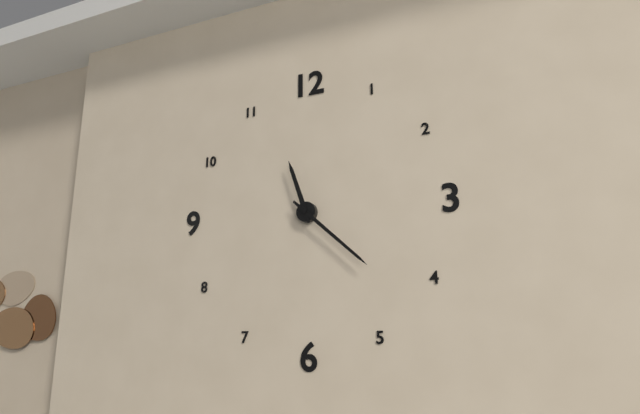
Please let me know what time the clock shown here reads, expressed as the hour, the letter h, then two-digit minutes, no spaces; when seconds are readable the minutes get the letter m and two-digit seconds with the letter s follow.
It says 11h22
